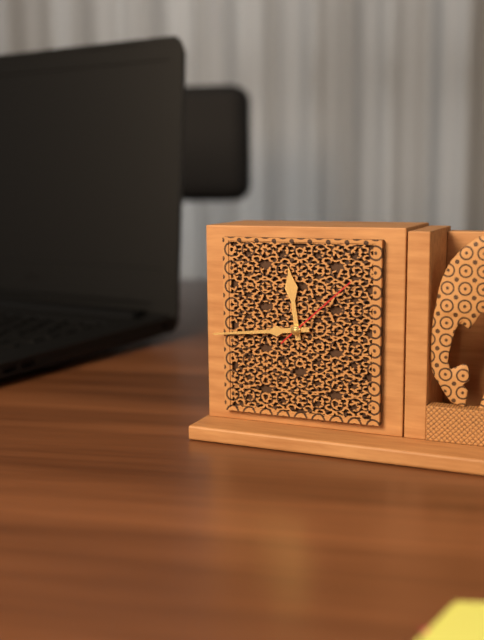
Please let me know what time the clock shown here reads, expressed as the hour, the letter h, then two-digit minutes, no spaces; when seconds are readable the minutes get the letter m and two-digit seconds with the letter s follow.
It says 11h44m08s
